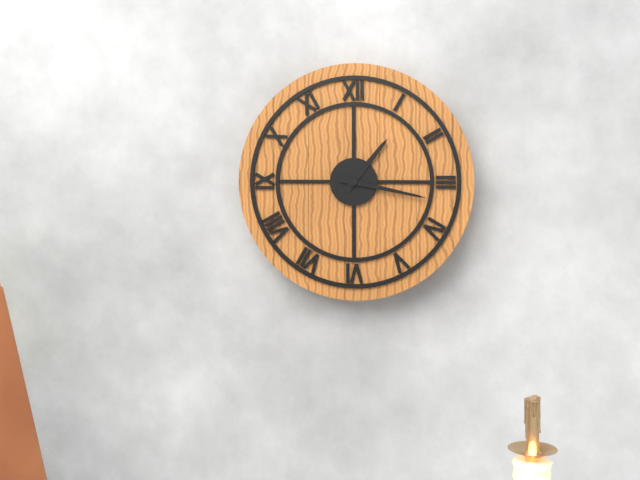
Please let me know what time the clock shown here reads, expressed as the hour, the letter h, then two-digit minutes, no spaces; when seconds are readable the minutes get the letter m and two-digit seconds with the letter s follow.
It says 1h17
